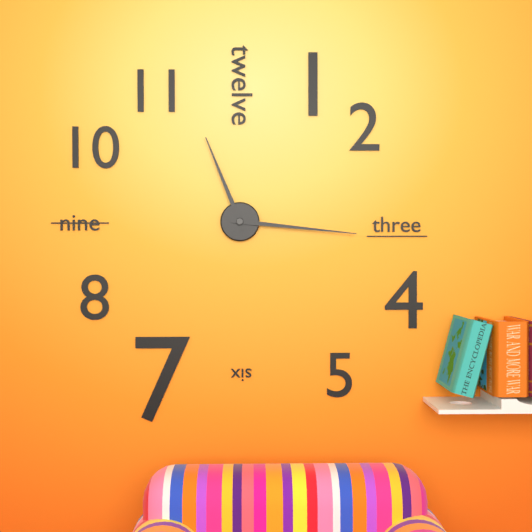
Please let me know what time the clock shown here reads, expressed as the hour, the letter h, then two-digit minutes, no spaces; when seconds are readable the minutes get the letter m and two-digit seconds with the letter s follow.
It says 11h16
